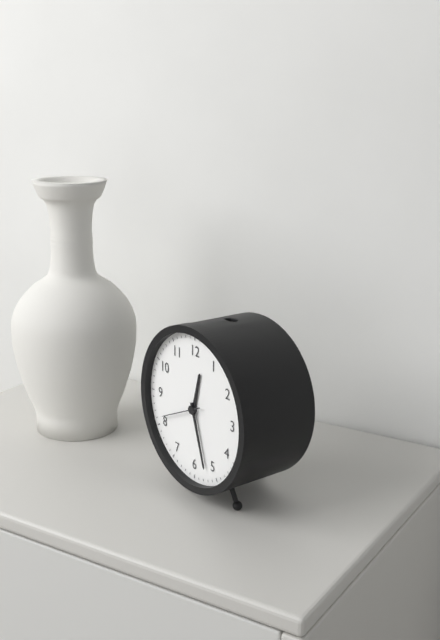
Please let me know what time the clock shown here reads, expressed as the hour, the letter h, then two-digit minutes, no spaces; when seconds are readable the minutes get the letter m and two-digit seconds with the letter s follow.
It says 12h27
